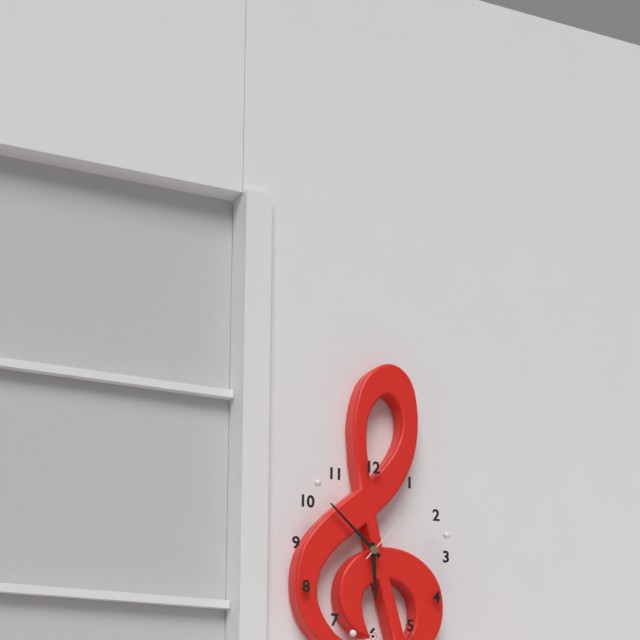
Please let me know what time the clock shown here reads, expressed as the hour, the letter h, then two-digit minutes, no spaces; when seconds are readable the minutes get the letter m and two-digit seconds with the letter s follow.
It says 5h52m07s
